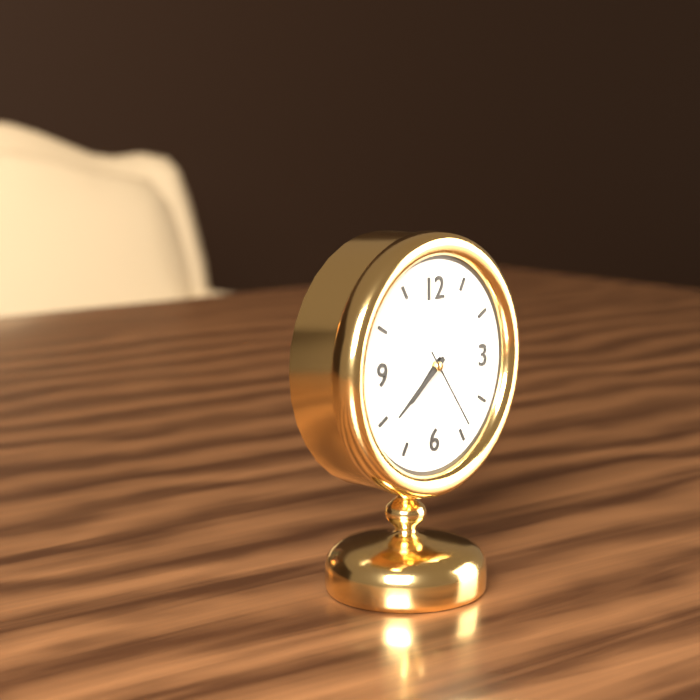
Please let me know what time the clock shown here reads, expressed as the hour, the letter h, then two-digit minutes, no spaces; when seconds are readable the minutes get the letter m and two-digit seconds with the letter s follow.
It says 7h39m24s
